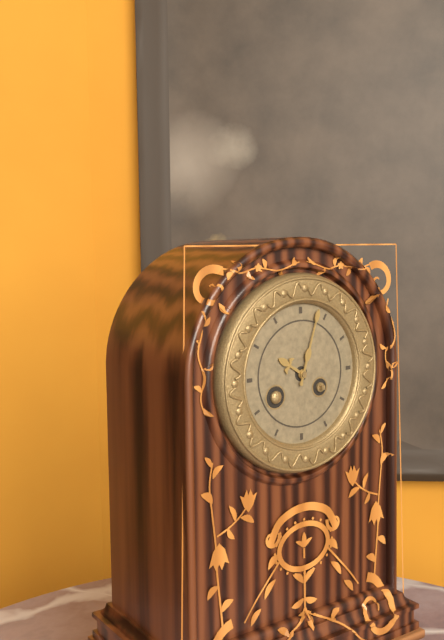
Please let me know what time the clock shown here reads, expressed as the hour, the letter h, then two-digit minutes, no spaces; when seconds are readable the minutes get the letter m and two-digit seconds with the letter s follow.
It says 10h03
